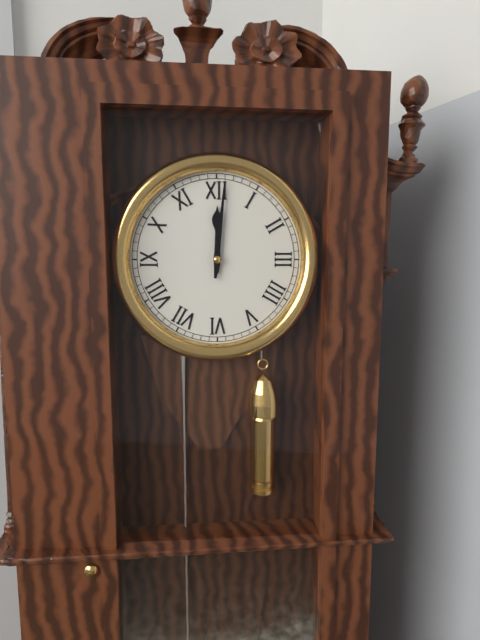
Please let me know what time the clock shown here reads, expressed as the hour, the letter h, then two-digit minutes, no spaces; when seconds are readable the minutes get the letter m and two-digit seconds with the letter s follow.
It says 12h01
